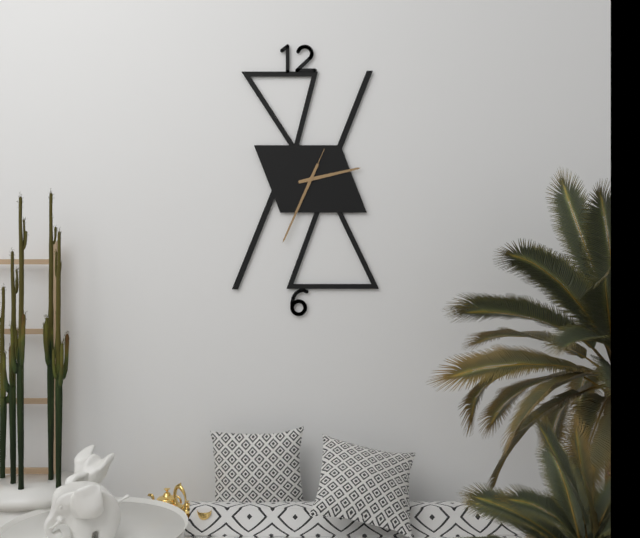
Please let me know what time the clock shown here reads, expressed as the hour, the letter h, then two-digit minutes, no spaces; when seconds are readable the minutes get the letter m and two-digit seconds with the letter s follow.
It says 2h34m34s
